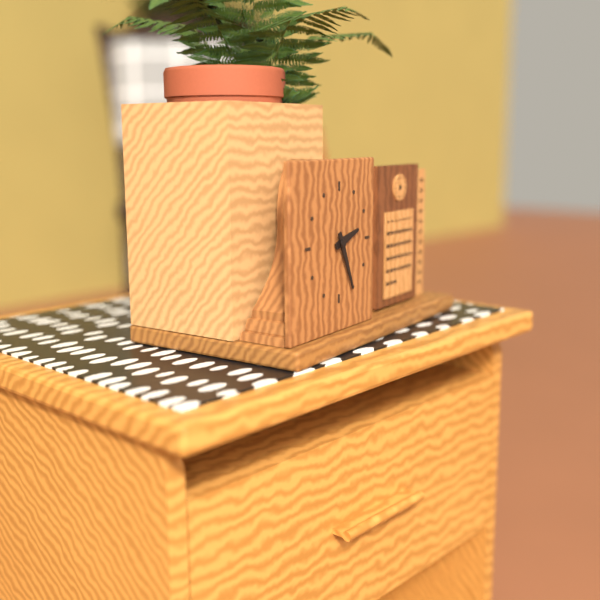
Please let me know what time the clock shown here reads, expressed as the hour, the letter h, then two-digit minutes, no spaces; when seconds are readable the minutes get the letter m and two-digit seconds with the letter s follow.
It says 2h26
